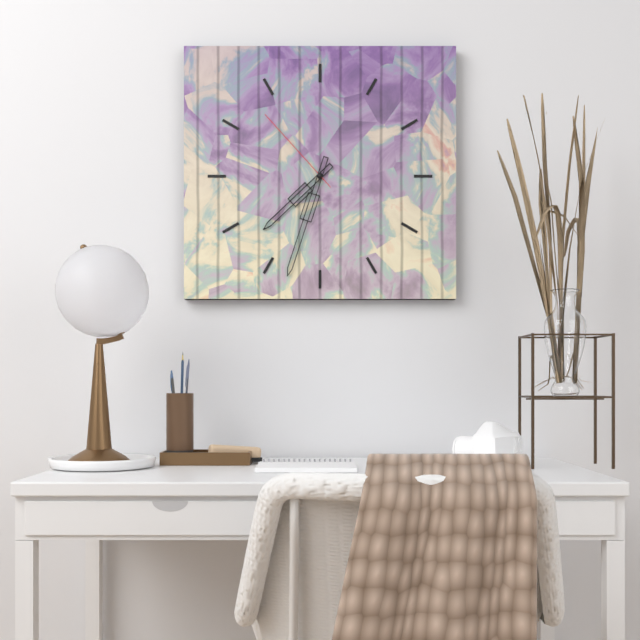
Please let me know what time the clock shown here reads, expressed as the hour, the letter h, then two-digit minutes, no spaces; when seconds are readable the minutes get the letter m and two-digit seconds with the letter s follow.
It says 7h33m53s
